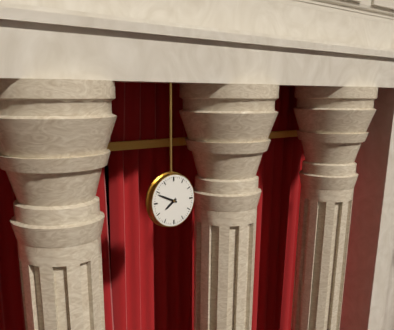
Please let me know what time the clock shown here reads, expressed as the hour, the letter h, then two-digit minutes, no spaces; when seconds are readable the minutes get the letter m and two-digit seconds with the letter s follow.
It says 7h49
